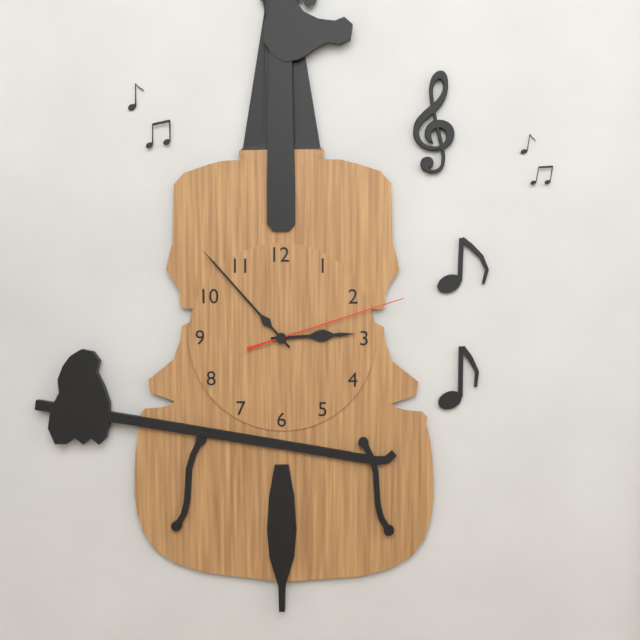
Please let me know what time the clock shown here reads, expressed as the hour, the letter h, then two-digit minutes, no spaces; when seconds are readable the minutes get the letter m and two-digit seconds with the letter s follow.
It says 2h53m12s
